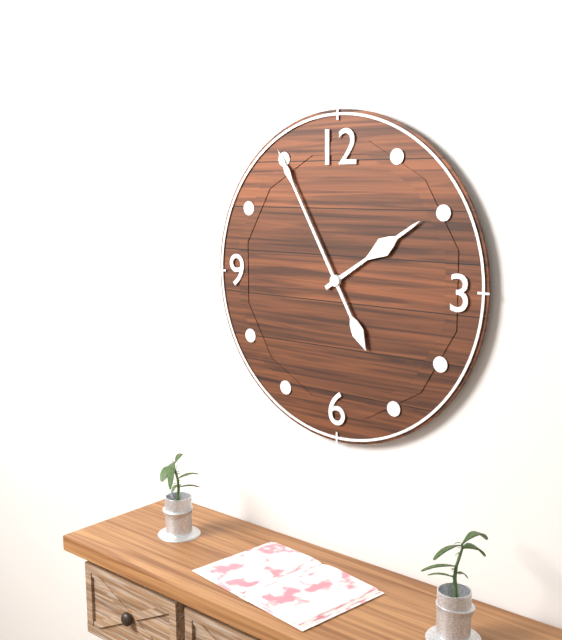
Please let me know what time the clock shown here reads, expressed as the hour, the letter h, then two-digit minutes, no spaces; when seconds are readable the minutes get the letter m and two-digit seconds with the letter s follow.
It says 1h55
